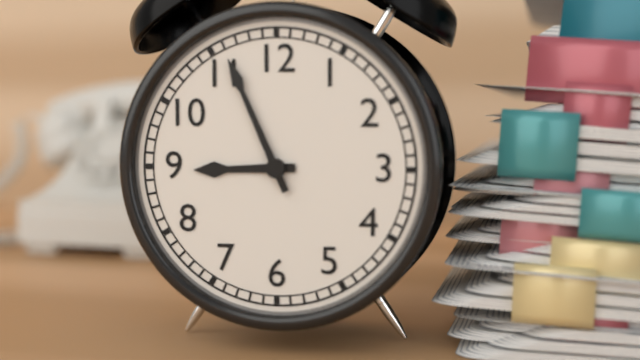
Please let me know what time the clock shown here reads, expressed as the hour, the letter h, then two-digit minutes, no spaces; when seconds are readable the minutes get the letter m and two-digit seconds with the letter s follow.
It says 8h56
